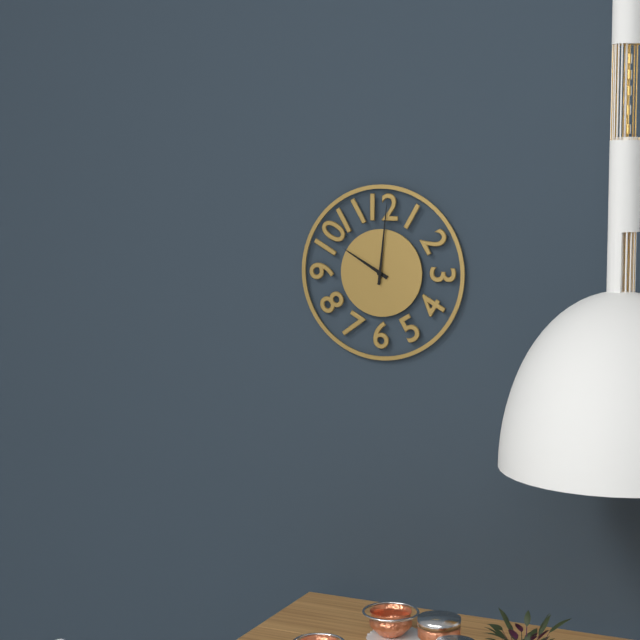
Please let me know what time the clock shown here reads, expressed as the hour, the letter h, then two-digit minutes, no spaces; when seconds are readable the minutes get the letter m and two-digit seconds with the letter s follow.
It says 10h01
